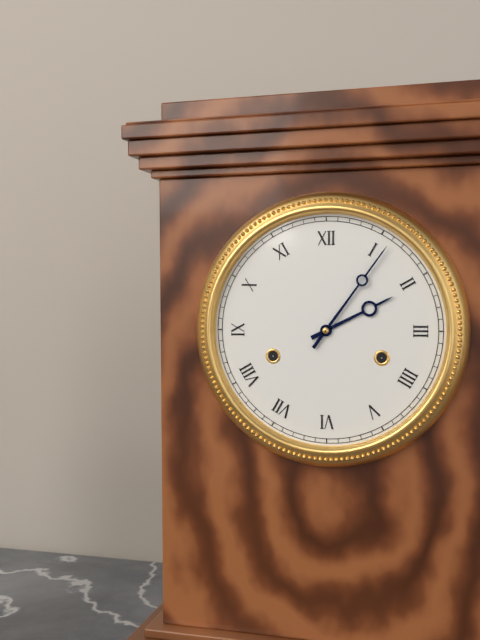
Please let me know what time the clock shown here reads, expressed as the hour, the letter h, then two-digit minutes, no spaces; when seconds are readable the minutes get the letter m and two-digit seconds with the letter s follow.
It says 2h06
